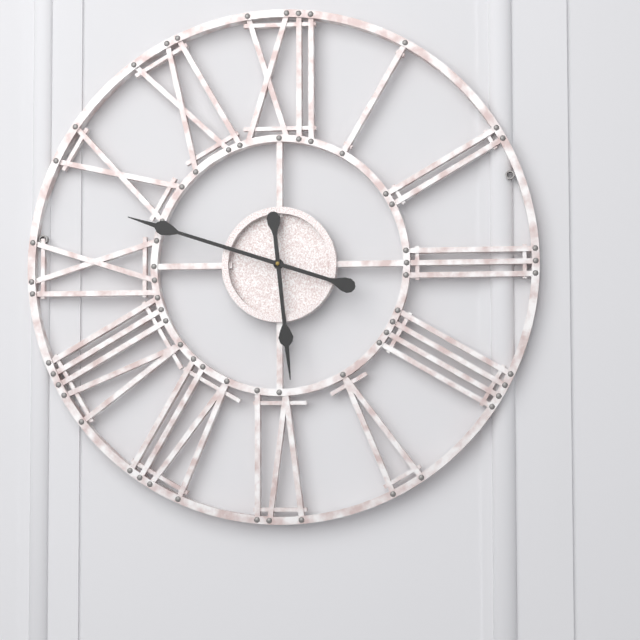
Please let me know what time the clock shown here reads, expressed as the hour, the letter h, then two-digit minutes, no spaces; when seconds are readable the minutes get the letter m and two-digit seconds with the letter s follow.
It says 5h48
